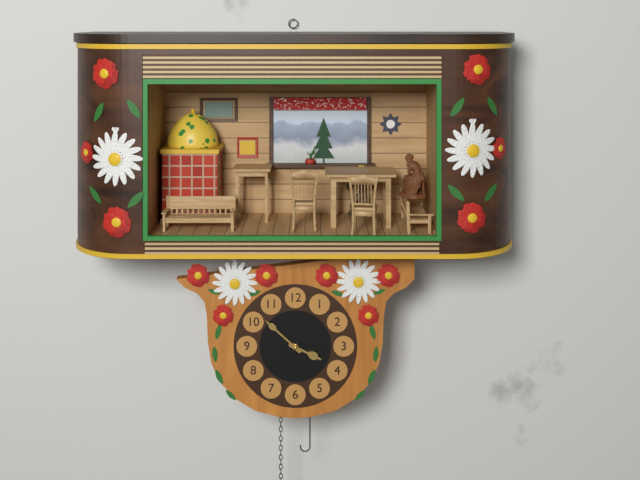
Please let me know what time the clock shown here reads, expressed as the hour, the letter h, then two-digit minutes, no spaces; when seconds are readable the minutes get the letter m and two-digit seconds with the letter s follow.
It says 3h52
